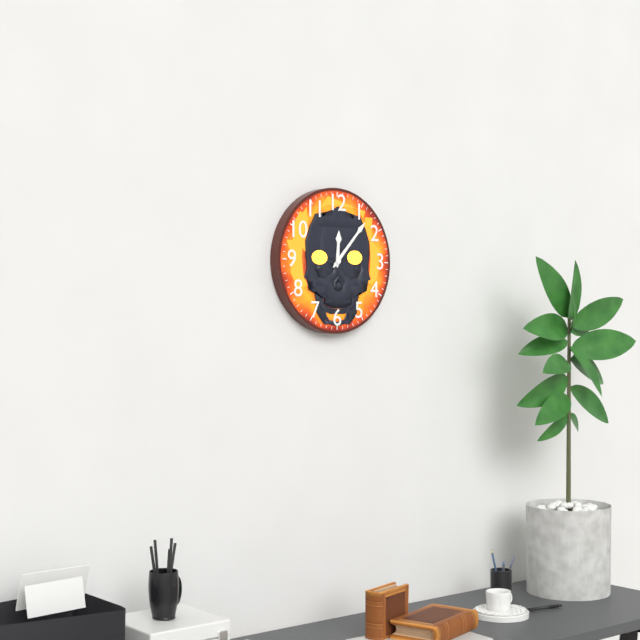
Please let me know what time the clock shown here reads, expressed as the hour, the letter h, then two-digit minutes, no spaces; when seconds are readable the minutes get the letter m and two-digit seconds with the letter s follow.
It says 12h07
